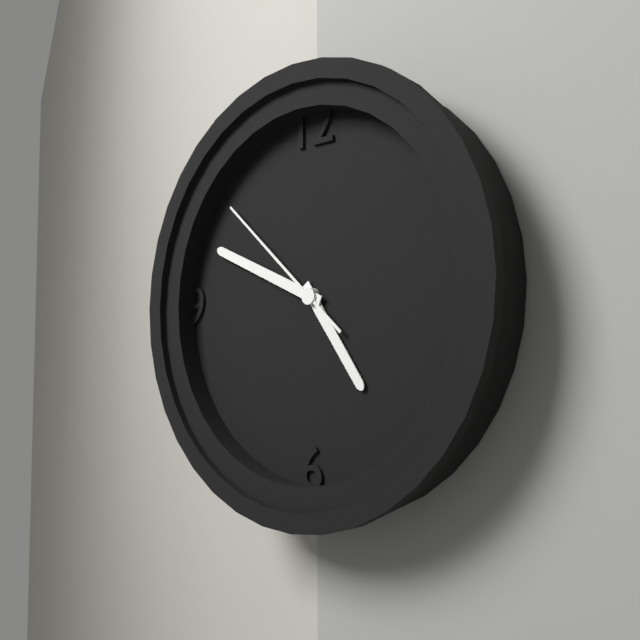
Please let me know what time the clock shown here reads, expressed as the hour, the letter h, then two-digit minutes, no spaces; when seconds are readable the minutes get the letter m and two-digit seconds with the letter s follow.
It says 4h49m52s
